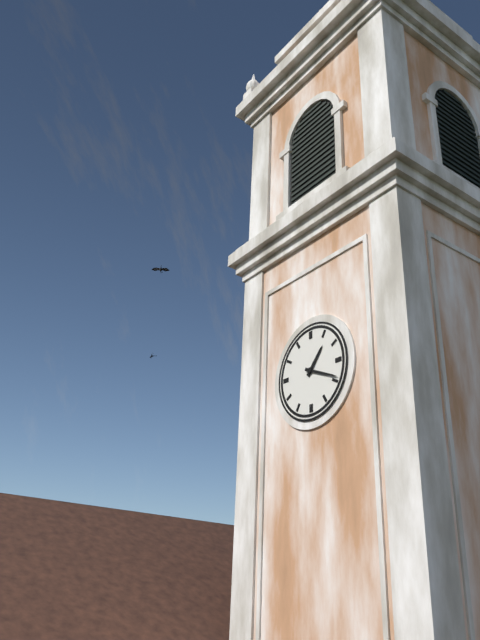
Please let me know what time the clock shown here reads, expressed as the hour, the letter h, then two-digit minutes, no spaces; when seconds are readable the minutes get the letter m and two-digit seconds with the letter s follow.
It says 1h19
